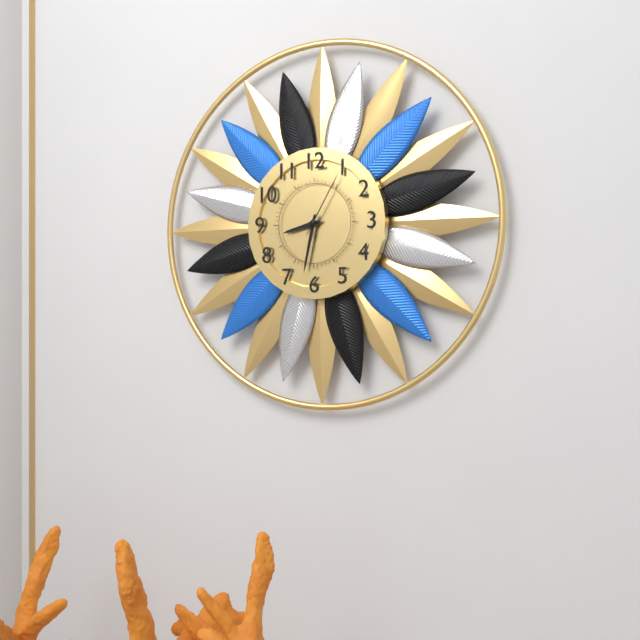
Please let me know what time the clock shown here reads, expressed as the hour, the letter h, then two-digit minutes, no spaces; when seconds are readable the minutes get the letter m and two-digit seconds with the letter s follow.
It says 8h32m05s
